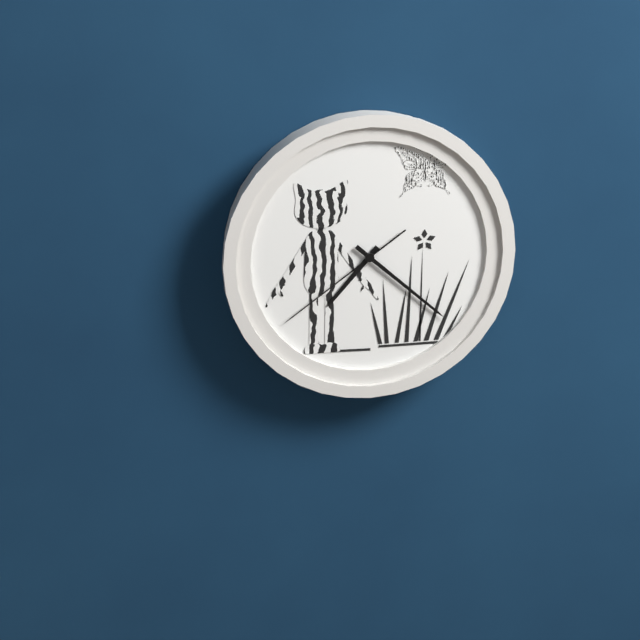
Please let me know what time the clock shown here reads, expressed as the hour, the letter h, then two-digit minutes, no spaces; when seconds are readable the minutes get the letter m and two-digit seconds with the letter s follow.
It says 7h22m39s
